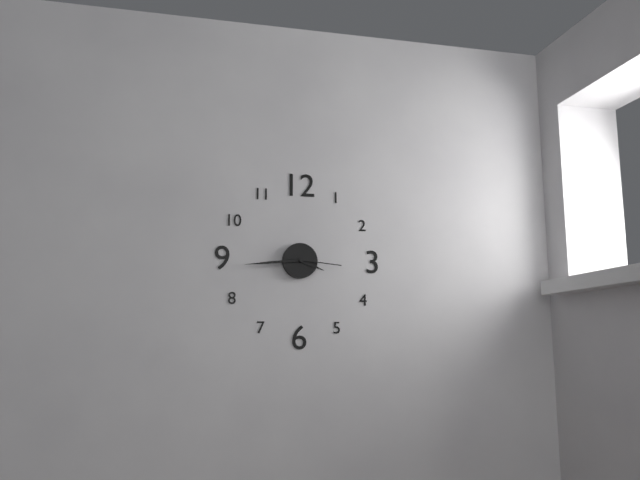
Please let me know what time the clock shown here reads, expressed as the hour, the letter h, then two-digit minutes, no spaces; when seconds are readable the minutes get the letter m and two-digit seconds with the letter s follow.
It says 3h44m16s
